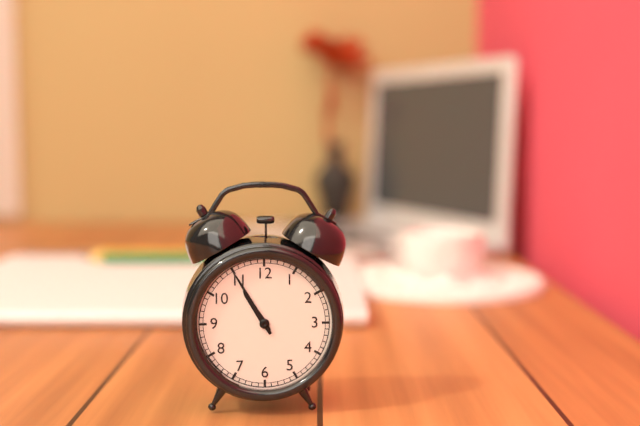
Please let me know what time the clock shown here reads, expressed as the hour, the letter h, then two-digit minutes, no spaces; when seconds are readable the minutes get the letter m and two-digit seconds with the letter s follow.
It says 10h55
